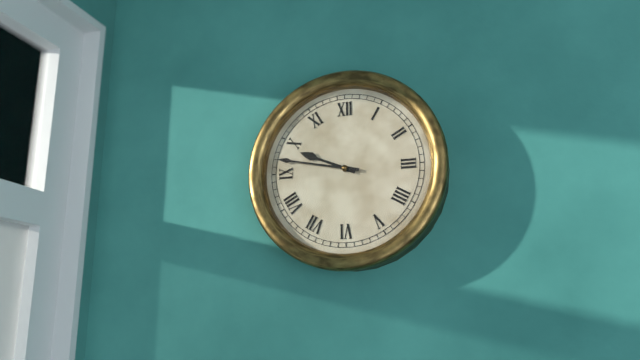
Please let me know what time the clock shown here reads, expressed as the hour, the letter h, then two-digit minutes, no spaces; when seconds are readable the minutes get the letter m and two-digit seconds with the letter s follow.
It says 9h47
